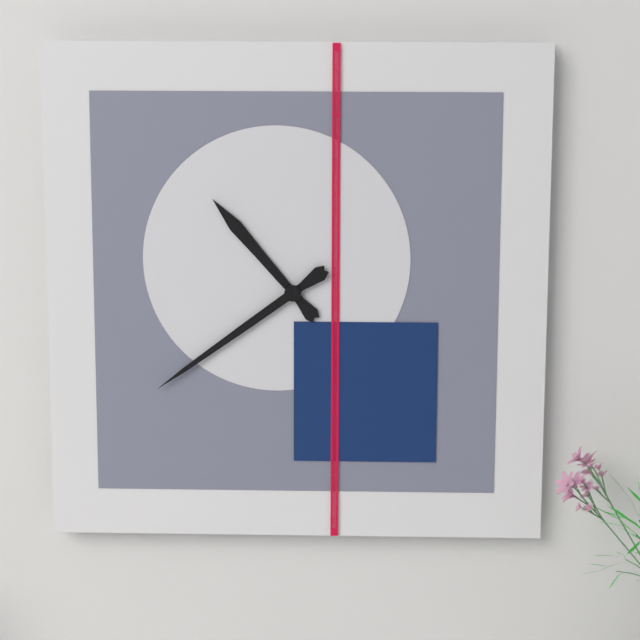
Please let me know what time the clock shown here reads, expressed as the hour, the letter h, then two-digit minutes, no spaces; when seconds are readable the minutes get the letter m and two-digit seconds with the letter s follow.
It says 10h39
